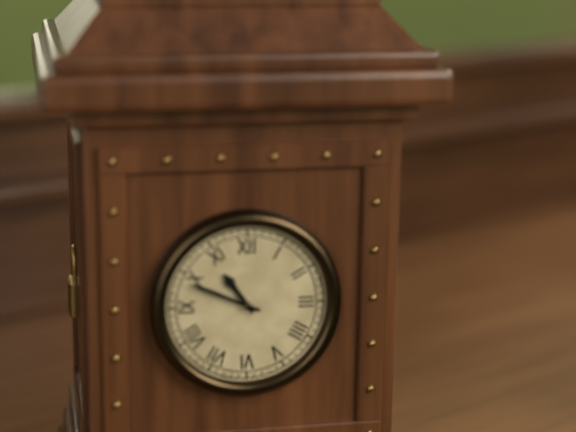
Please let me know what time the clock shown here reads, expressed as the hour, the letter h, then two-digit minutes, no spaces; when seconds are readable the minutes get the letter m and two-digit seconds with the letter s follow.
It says 10h49
